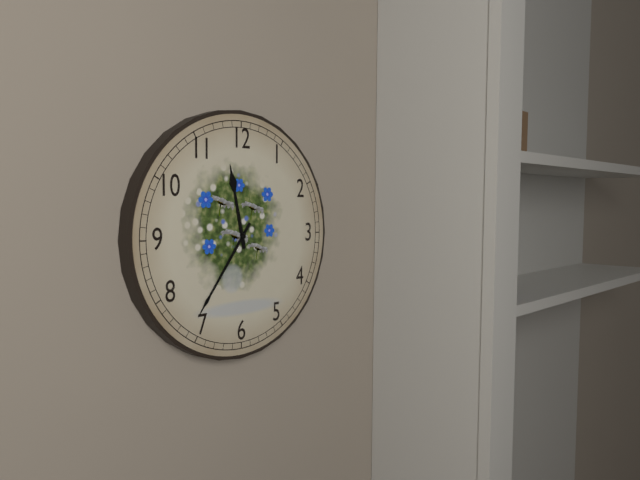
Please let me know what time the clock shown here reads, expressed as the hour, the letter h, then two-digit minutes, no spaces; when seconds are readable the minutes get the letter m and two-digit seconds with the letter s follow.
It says 11h36
